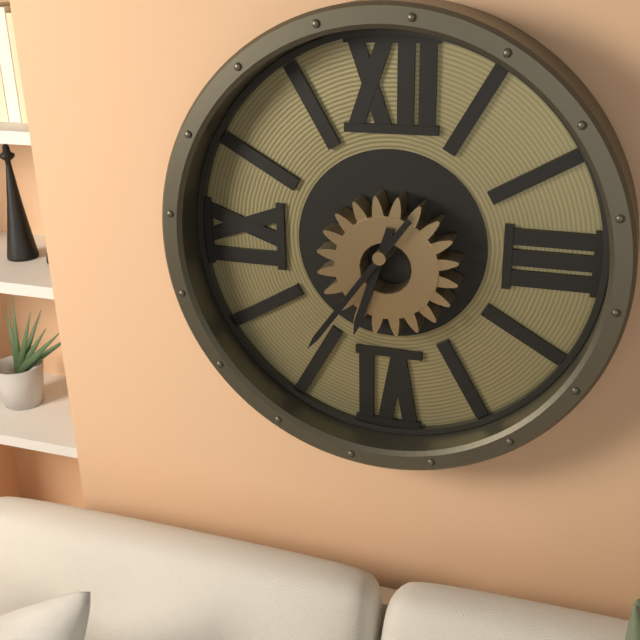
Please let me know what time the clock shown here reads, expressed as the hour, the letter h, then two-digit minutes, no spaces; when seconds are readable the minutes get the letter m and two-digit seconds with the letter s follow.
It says 6h36
